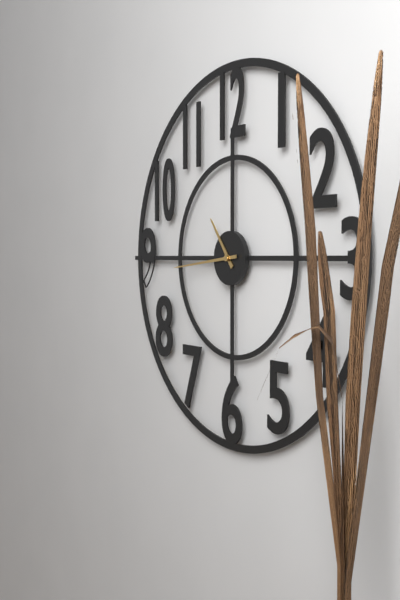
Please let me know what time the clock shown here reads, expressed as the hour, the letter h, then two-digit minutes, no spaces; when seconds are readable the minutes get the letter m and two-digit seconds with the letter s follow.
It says 10h44
